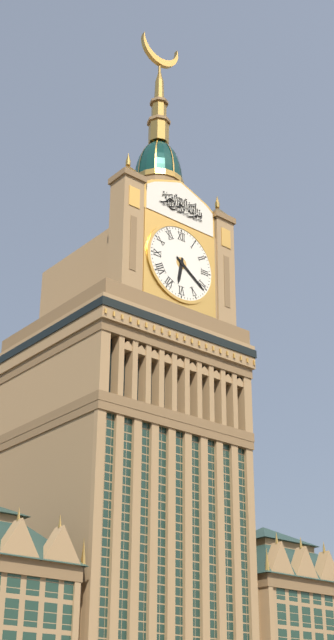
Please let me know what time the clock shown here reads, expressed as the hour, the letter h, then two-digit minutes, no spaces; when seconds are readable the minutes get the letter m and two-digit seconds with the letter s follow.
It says 6h21
